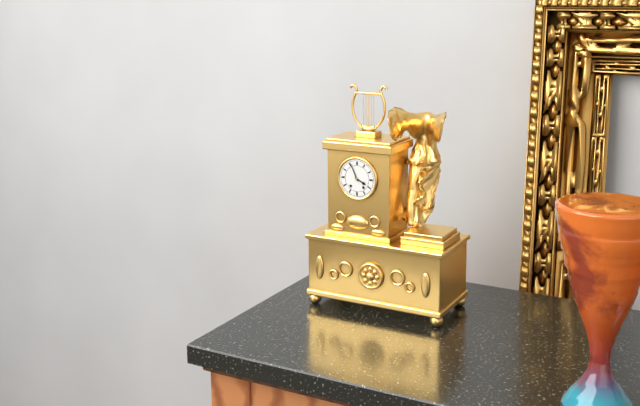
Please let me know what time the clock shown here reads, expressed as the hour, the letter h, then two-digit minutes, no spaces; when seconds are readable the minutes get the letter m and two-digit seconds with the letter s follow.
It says 3h56
